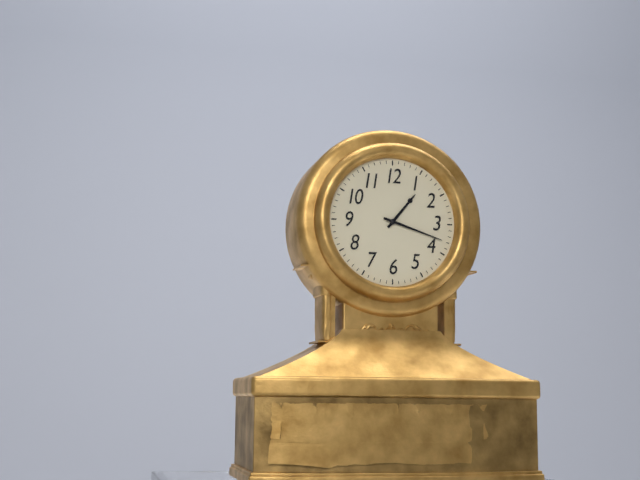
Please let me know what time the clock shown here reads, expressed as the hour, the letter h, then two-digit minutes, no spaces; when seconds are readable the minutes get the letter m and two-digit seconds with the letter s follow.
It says 1h18
